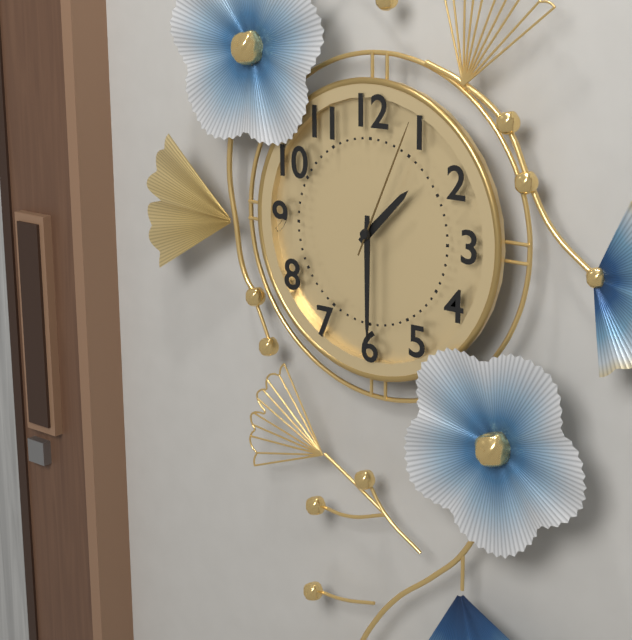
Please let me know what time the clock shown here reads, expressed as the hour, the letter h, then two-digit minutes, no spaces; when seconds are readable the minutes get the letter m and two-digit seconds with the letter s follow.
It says 1h30m04s
